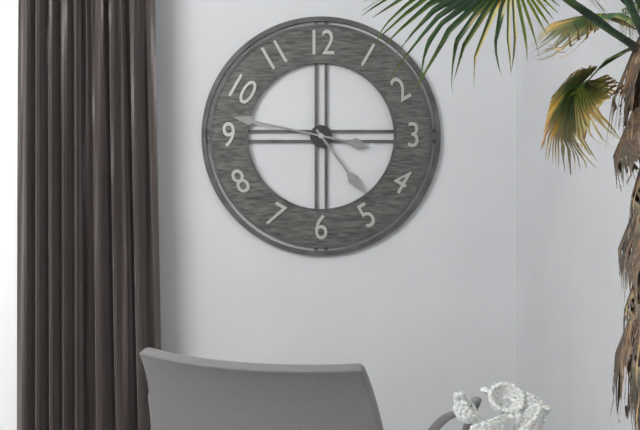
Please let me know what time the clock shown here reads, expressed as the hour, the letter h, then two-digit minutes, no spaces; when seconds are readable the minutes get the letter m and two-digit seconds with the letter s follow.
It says 4h47
